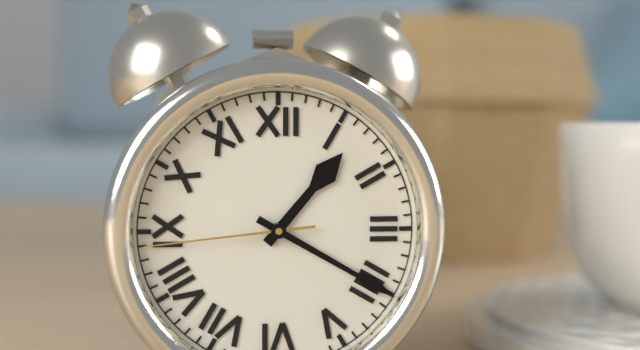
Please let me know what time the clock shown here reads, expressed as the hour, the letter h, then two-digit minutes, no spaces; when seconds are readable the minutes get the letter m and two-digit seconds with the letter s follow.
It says 1h20m44s
